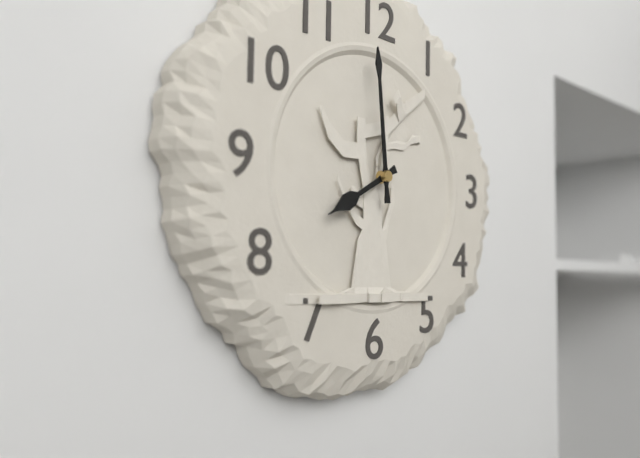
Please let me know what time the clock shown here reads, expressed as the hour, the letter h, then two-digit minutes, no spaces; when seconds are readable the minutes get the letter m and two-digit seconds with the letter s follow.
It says 7h59
